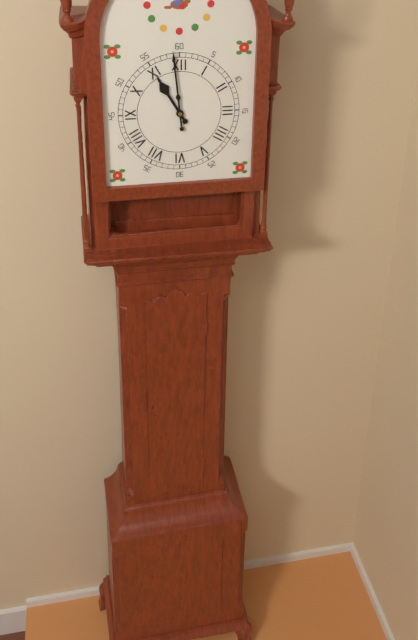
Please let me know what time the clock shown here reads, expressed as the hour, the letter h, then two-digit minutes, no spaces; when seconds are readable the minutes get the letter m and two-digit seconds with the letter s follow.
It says 10h59
